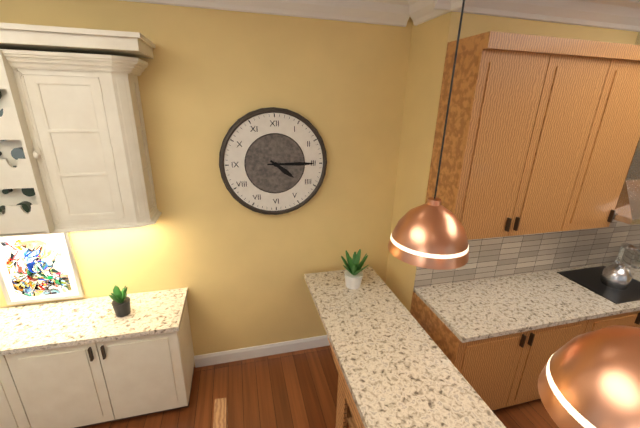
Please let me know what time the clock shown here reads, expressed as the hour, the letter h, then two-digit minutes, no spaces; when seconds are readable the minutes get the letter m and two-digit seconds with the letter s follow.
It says 4h15
